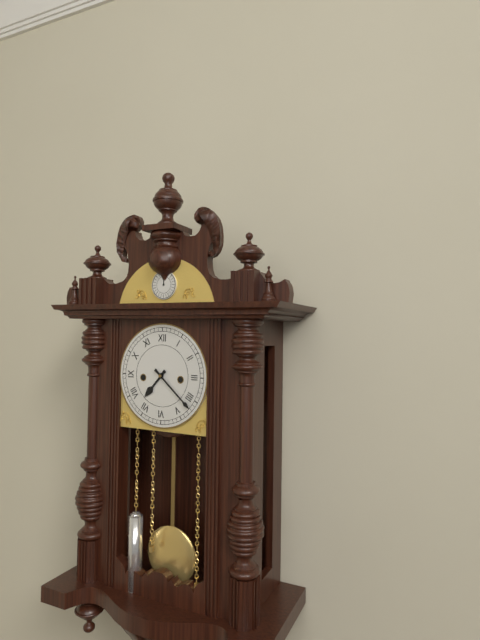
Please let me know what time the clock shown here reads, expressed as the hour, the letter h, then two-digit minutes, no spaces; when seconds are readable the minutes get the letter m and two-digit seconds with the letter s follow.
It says 7h22
